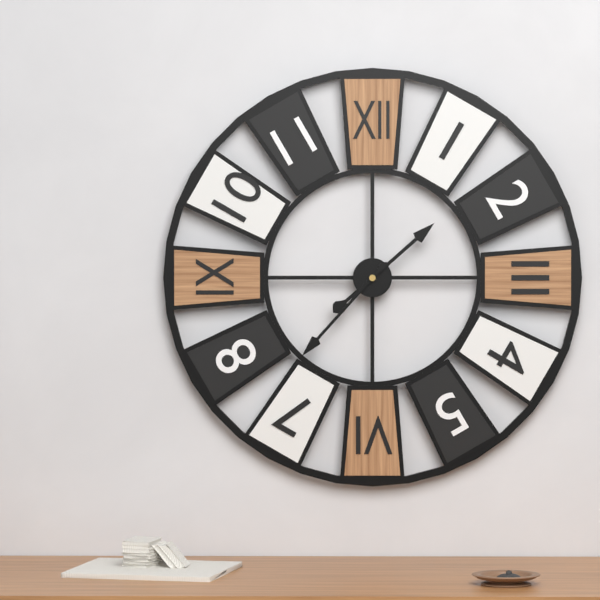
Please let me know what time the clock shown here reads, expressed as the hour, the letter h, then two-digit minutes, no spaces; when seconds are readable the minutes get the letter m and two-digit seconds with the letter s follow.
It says 1h37
